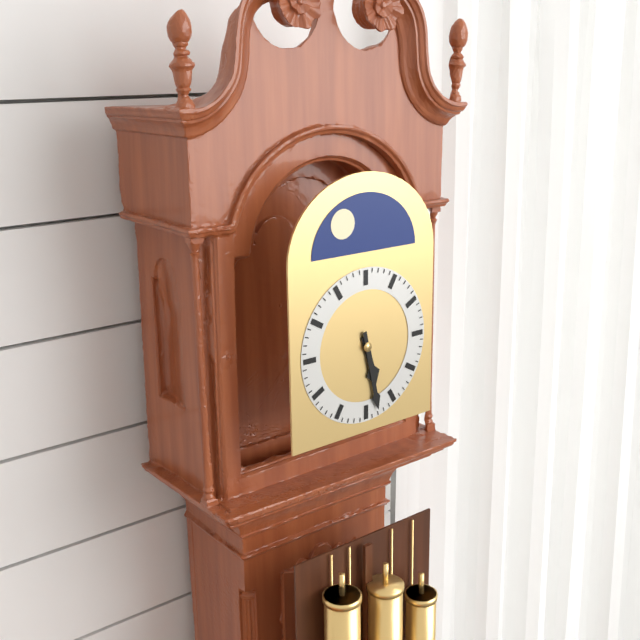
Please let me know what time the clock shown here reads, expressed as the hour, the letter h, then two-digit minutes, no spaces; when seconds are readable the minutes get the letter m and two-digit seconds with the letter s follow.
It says 5h28
